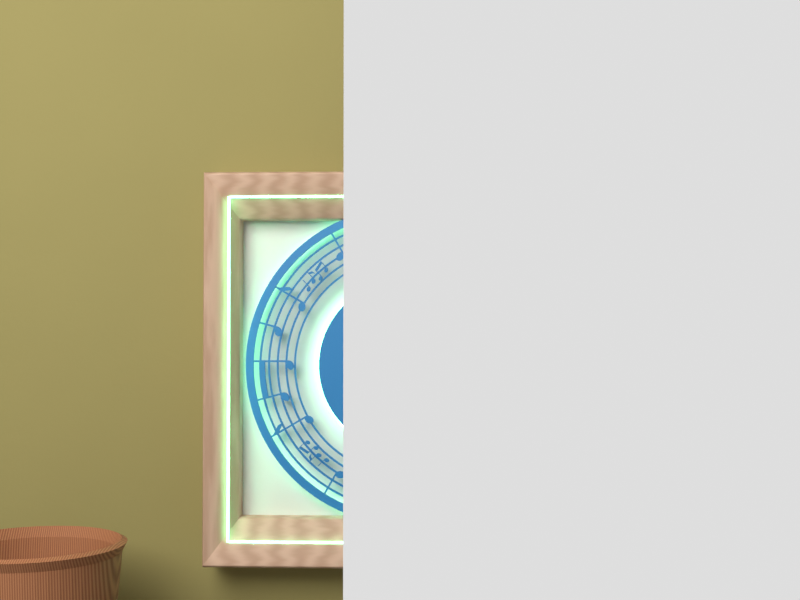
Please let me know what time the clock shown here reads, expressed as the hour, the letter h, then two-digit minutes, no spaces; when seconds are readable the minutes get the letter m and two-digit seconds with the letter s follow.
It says 6h34
